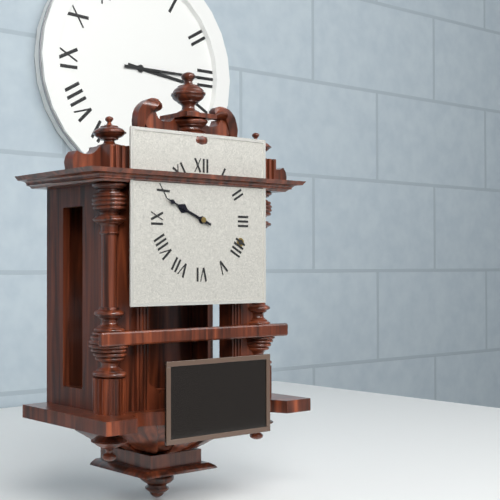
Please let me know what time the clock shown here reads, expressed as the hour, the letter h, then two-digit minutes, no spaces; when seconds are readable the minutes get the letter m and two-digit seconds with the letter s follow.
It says 9h49
